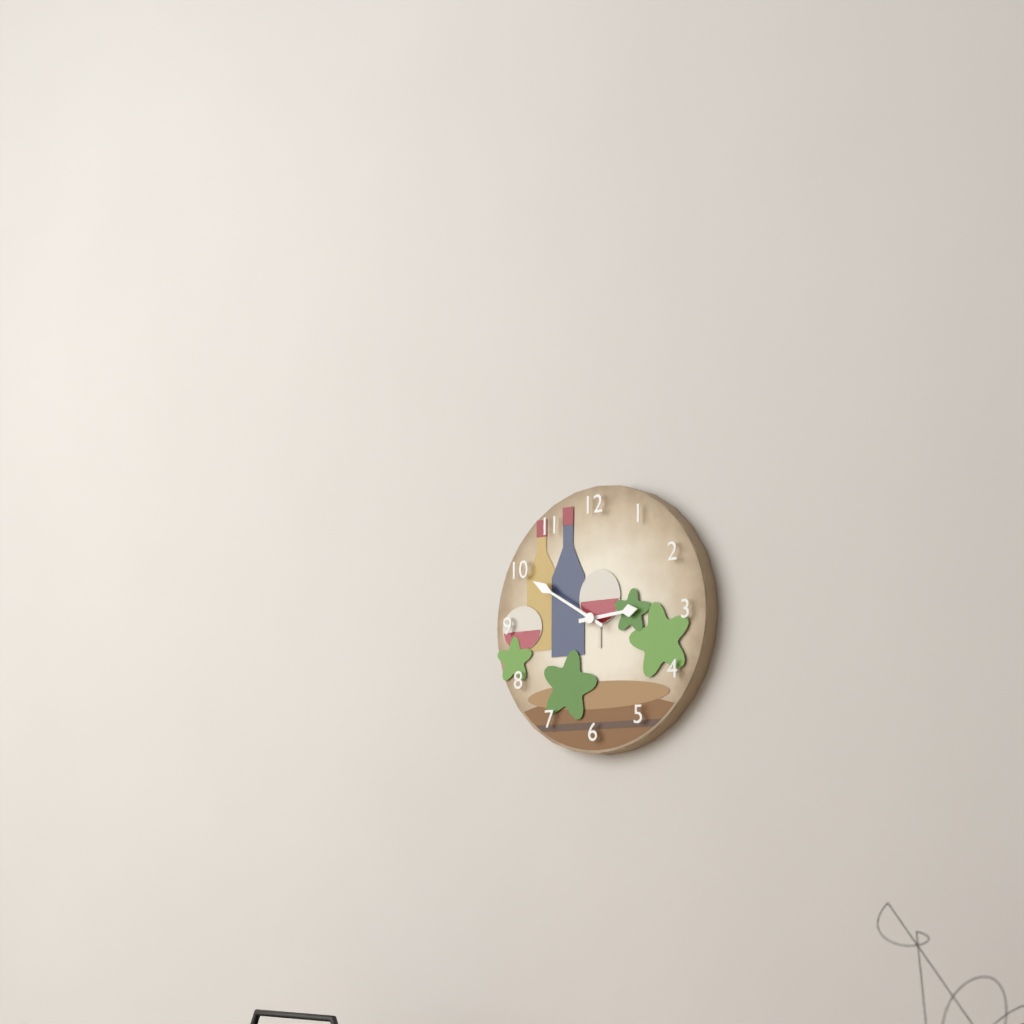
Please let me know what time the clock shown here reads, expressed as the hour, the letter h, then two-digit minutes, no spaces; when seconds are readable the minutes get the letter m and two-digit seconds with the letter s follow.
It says 2h50
